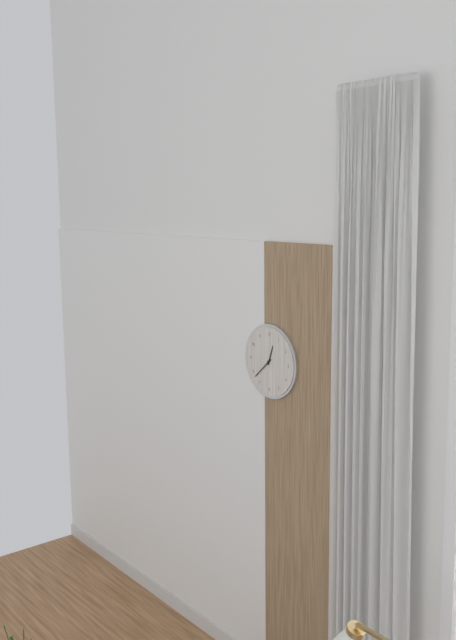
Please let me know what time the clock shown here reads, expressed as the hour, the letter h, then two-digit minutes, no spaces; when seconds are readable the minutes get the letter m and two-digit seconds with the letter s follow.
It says 12h38
